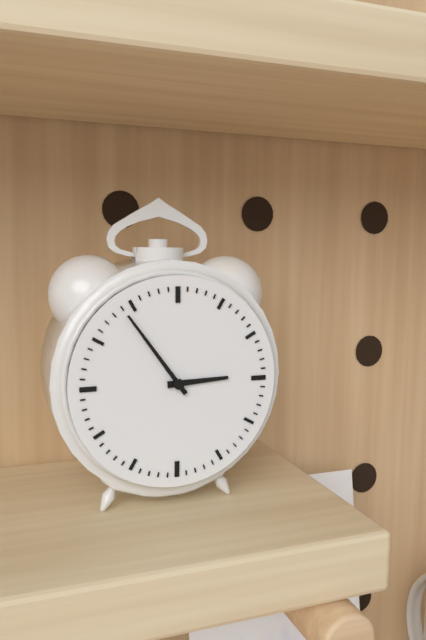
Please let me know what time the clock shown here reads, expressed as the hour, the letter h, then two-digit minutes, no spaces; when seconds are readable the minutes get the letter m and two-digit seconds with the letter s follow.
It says 2h54
